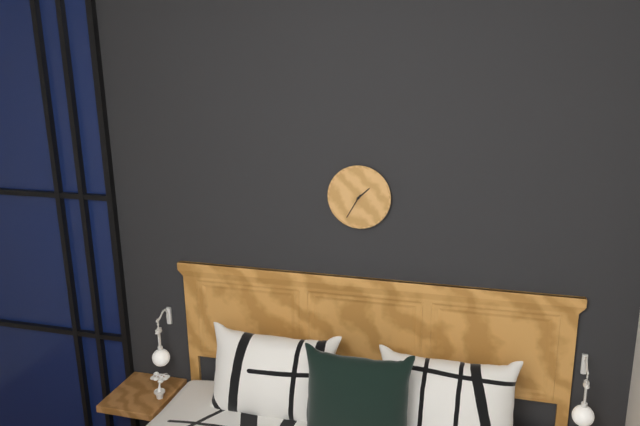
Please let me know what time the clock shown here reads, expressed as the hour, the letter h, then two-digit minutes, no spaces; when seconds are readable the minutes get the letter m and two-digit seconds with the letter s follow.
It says 1h35
